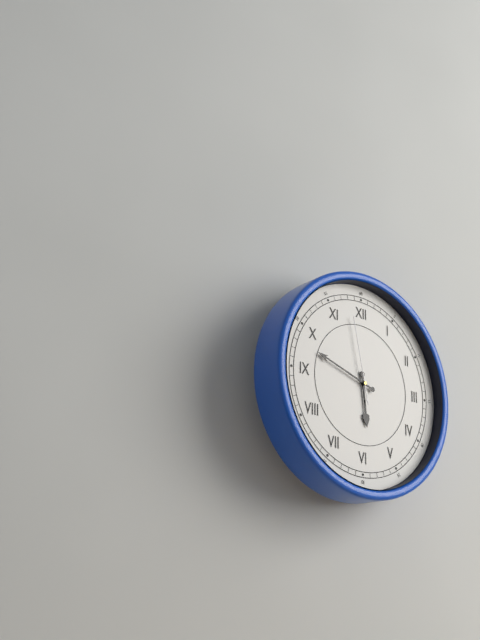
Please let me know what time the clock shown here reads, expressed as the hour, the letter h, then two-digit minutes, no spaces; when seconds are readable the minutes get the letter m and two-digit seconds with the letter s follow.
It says 5h48m58s
